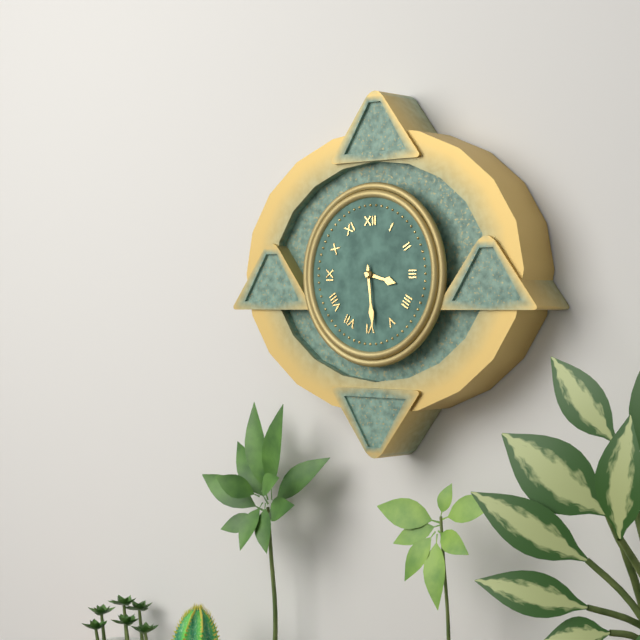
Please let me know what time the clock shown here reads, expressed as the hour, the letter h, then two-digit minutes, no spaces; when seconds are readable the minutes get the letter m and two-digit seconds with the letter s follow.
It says 3h29
